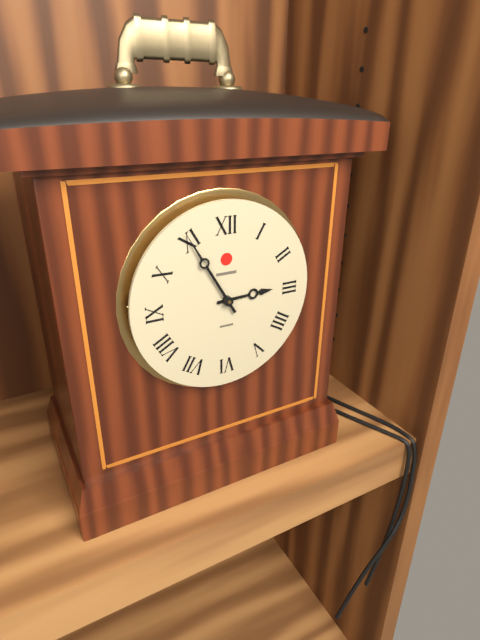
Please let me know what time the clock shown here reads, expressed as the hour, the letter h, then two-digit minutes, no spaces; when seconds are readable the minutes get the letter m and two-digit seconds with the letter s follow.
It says 2h55
